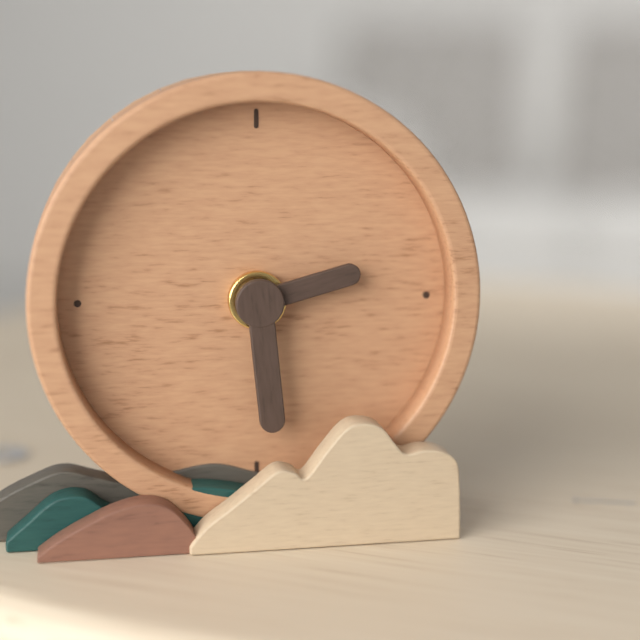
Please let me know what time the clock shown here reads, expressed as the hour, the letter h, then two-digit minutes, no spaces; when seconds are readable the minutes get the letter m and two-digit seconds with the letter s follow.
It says 2h29
